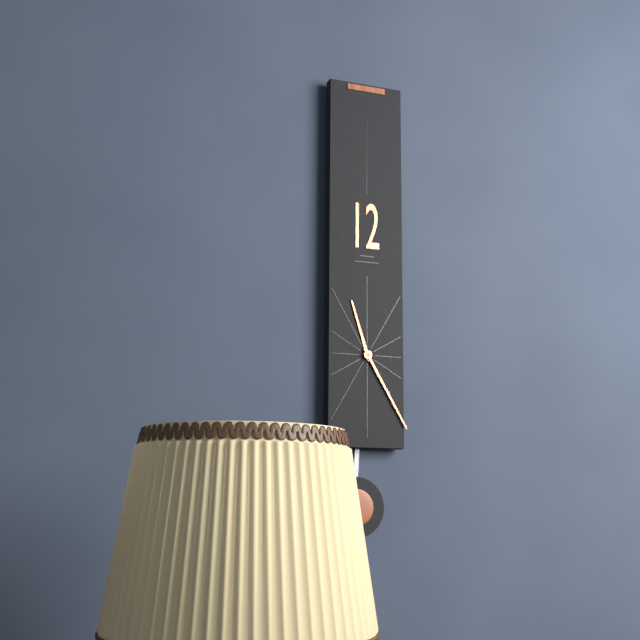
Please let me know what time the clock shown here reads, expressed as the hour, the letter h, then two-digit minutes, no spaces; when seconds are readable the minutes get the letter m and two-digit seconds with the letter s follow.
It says 11h25
